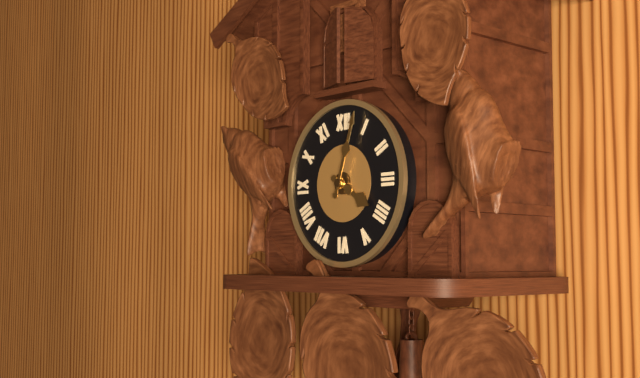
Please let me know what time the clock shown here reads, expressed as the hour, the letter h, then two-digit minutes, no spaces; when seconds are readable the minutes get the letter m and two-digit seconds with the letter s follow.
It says 4h03
